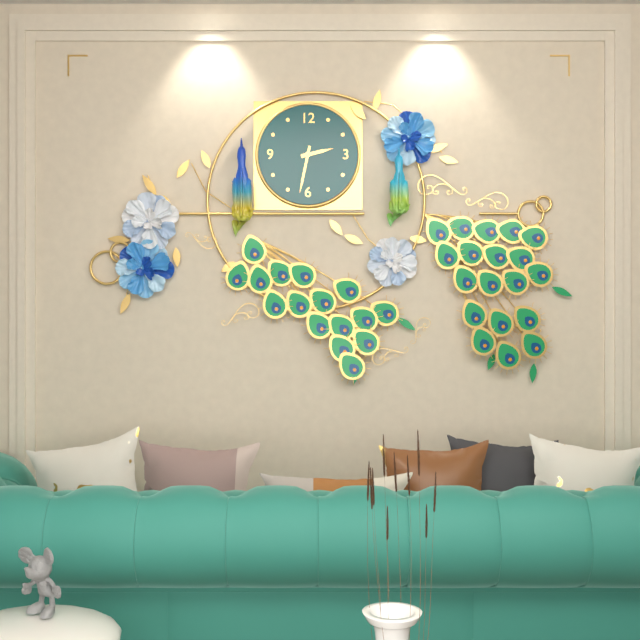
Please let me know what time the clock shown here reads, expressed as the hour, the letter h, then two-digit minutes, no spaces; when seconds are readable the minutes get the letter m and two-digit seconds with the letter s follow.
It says 2h32
